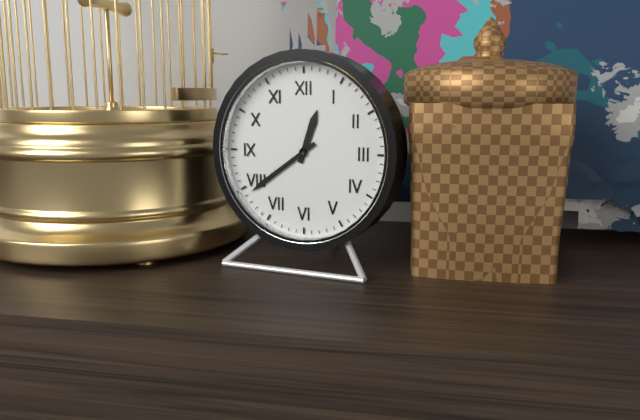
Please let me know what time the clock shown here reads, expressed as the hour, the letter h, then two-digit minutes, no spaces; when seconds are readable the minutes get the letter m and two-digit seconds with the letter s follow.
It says 12h39
